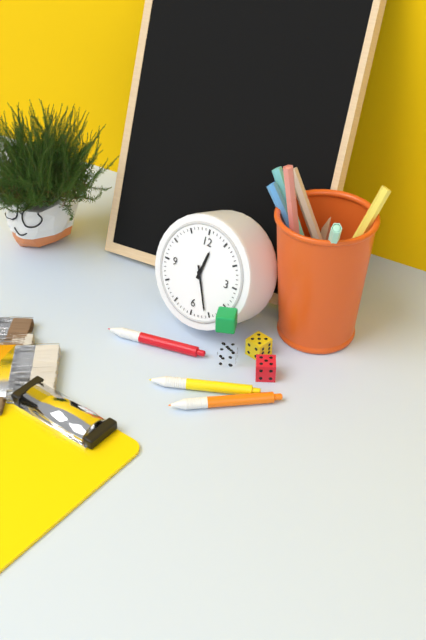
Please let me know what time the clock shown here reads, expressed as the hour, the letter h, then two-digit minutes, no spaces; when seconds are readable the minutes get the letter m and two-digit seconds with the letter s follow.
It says 12h26
